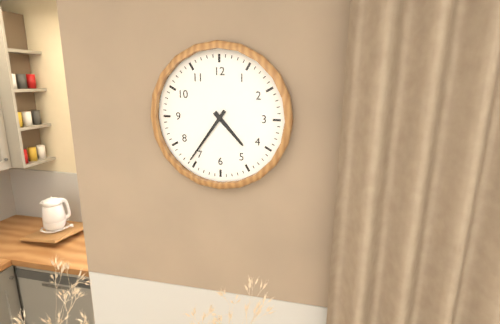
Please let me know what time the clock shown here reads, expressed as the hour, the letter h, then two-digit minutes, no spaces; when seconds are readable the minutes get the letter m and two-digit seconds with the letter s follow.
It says 4h36
